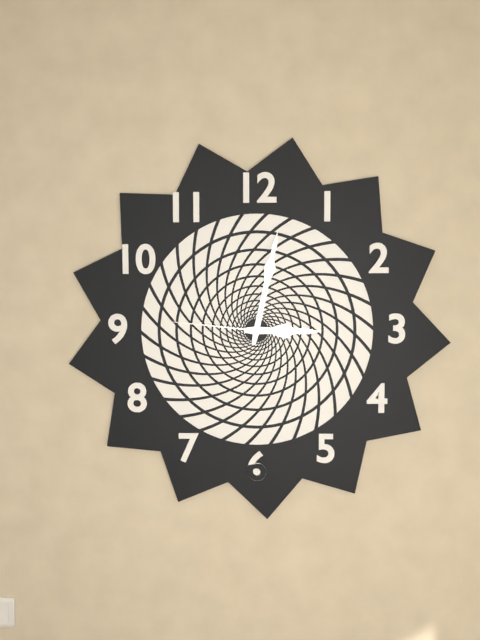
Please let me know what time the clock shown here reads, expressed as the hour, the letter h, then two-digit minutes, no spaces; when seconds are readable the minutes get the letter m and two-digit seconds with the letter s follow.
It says 3h02m46s
